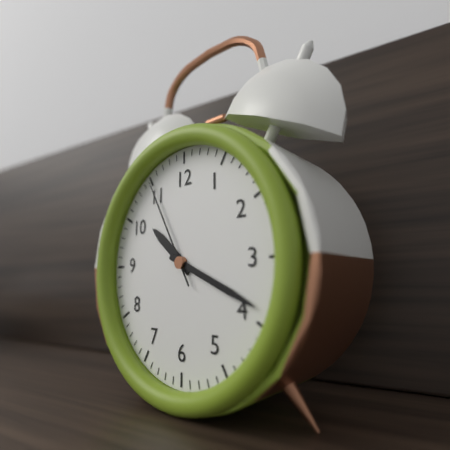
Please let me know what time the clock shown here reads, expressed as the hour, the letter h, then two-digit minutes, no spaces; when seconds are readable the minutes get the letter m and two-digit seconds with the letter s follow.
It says 10h19m55s
